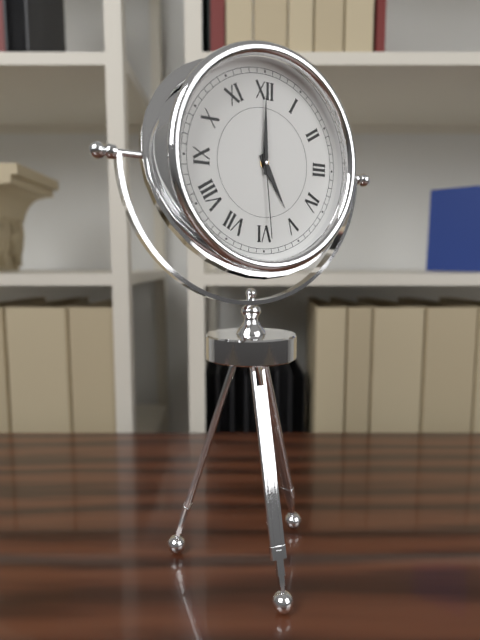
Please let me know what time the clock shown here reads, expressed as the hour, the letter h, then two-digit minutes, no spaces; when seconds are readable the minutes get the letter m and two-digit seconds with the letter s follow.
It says 5h00m29s
